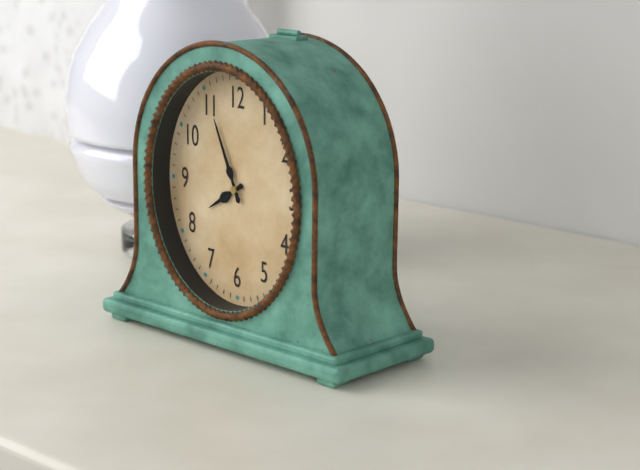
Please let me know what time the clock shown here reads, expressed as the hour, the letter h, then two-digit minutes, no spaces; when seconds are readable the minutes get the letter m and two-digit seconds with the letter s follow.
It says 7h56
